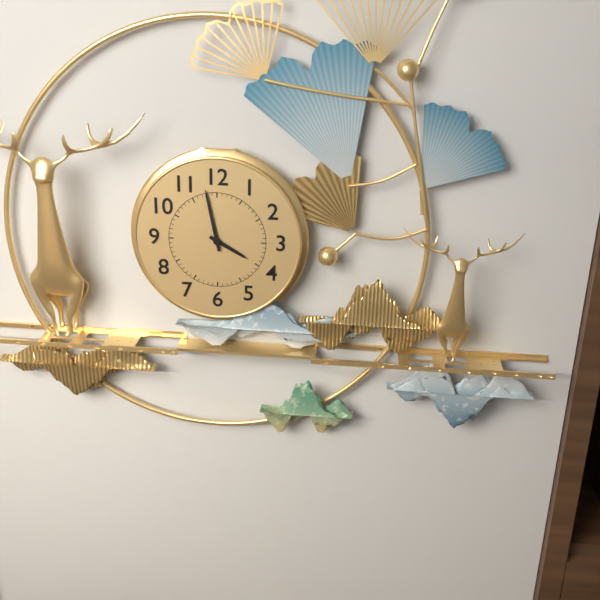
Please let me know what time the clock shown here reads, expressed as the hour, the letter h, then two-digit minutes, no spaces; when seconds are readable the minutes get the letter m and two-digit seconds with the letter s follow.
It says 3h58
